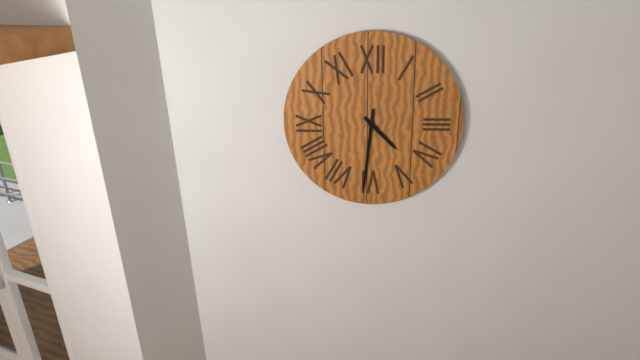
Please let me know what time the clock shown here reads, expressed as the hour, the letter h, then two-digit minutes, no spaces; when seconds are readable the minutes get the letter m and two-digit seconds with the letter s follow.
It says 4h31
